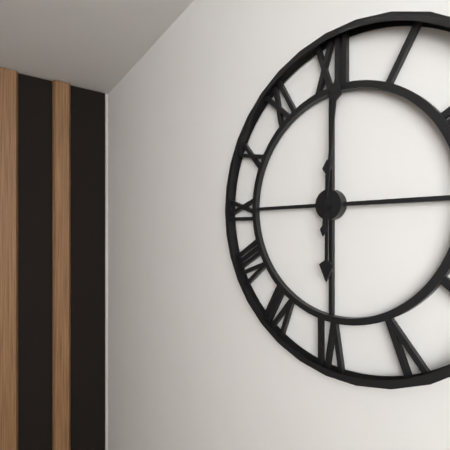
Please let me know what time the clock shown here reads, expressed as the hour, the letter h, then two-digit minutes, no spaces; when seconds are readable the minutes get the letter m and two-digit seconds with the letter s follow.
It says 6h01
